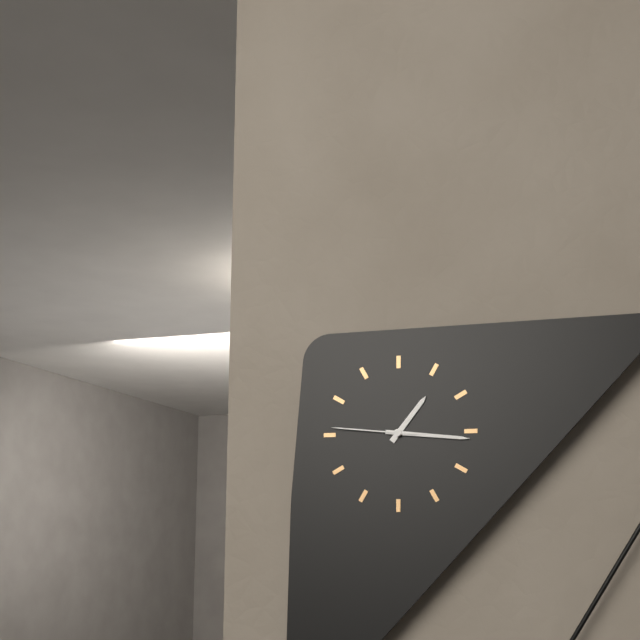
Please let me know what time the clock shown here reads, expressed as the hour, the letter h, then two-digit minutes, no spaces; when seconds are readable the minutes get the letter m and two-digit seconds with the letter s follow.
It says 1h16m46s
